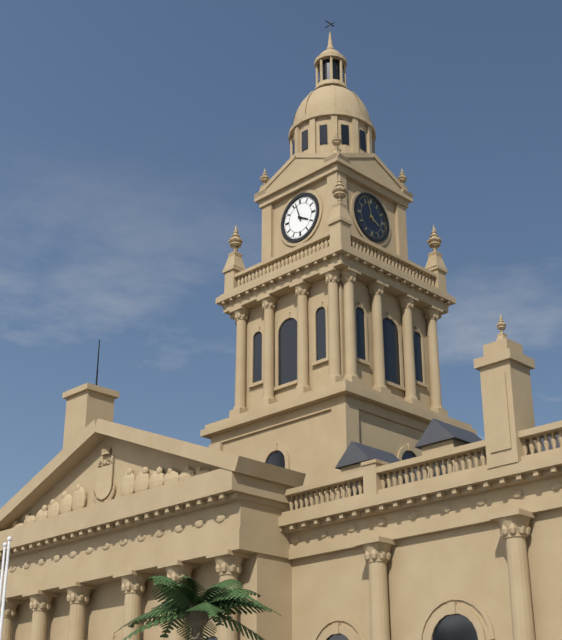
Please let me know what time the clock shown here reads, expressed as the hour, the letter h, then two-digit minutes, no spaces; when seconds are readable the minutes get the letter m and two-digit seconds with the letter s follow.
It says 3h57
